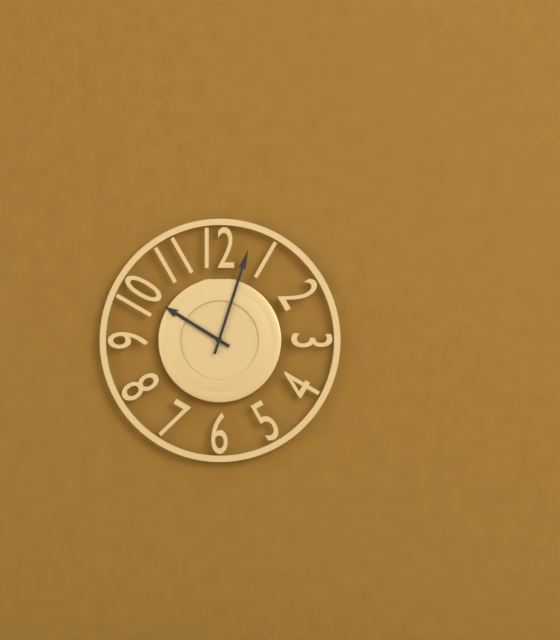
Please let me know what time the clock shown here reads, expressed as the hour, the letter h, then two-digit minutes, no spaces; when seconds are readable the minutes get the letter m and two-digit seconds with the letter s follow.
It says 10h03
